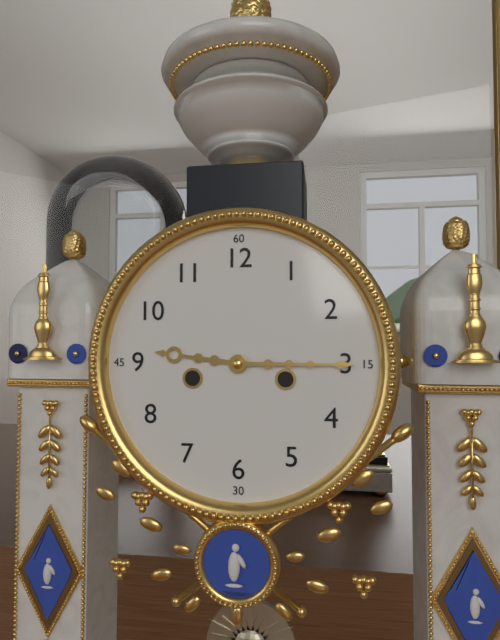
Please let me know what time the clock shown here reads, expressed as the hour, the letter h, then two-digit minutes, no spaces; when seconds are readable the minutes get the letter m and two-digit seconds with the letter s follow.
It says 9h15
